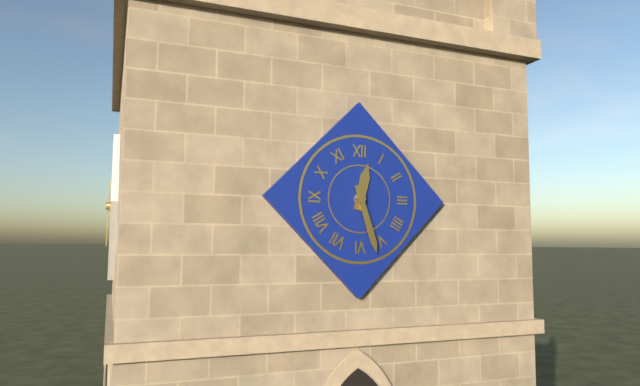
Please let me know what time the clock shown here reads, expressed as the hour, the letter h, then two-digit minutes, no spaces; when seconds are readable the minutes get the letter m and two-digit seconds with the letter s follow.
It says 12h27
